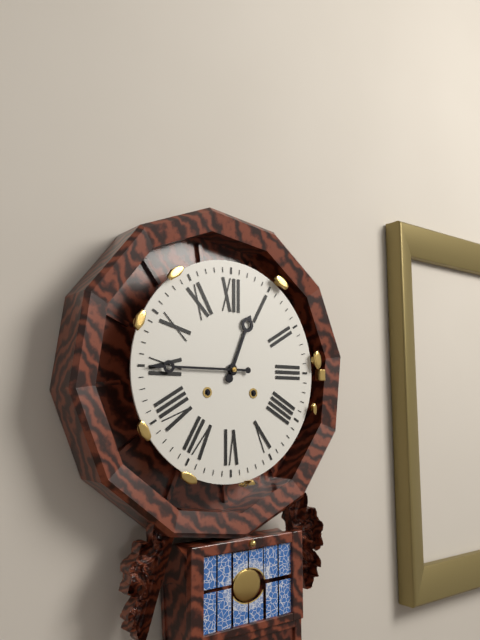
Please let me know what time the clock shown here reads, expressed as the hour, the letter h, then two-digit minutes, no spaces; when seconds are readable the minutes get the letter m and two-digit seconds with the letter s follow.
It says 12h45
